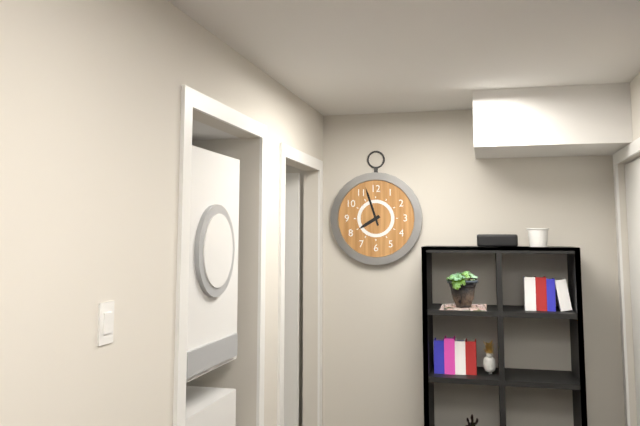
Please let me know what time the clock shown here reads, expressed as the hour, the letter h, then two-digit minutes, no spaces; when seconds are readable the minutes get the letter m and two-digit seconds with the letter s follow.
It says 7h57
